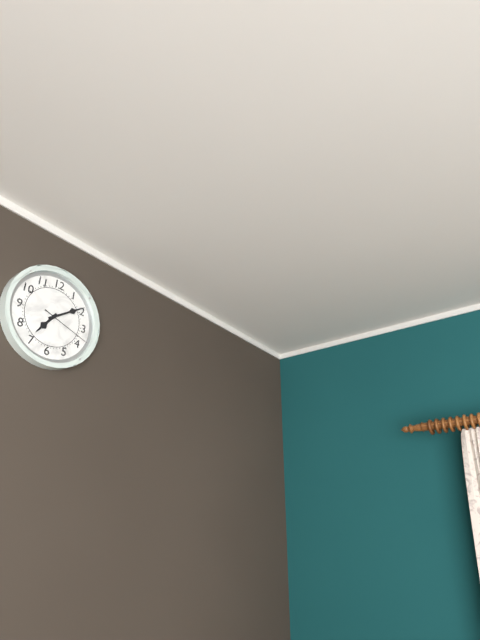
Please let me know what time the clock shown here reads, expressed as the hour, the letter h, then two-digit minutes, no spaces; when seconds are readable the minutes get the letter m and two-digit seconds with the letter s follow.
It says 7h09m18s
